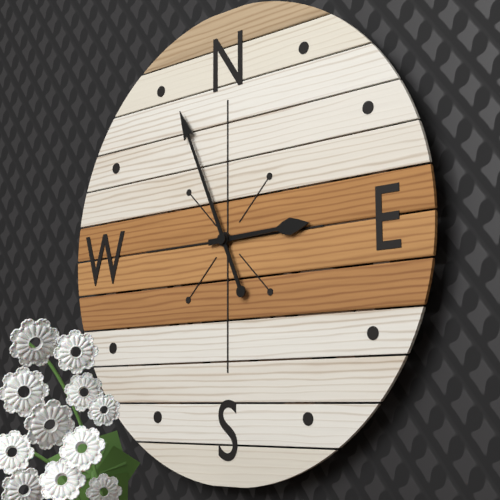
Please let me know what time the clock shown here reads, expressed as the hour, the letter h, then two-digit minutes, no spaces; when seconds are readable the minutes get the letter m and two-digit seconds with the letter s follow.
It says 2h56
